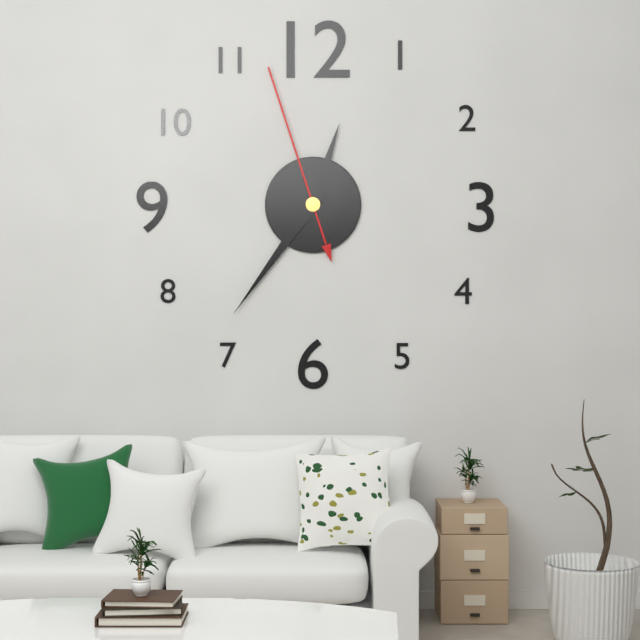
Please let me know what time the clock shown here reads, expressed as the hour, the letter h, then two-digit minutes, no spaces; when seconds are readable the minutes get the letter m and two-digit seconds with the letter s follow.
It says 12h36m57s
